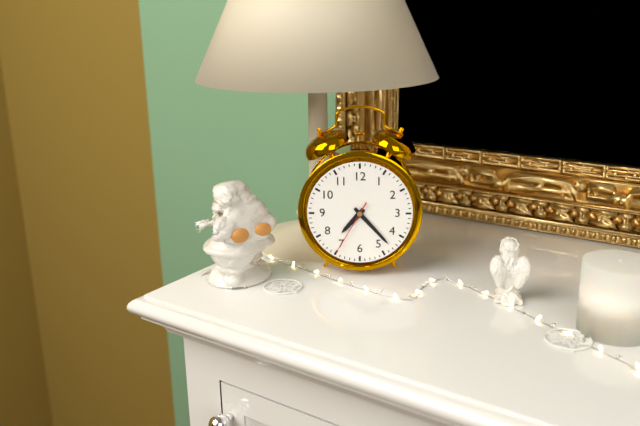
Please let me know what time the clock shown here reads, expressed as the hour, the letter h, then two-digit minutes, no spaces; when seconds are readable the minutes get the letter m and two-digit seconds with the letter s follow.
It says 7h23m35s
